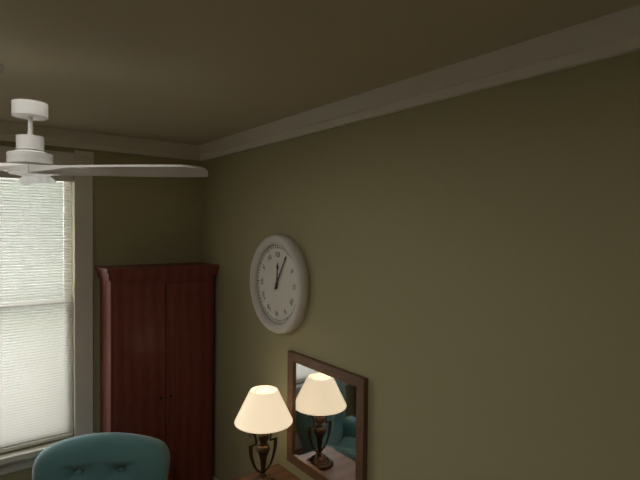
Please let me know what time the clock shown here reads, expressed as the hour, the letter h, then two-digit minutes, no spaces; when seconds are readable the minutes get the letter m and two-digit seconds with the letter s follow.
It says 12h05
